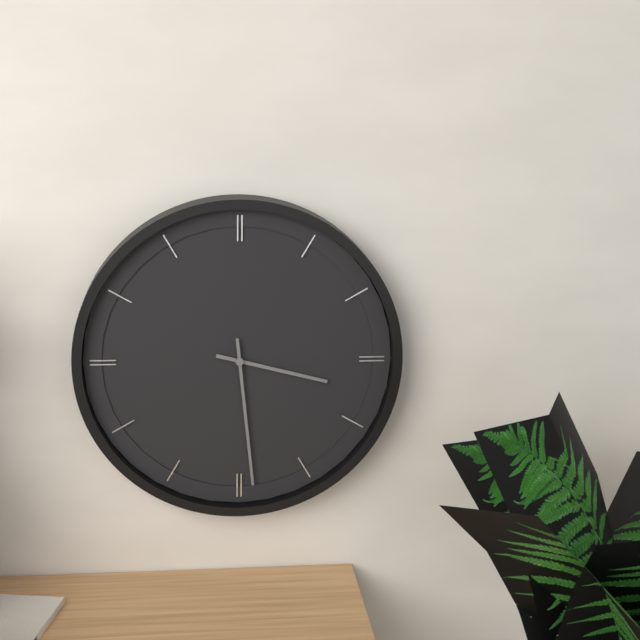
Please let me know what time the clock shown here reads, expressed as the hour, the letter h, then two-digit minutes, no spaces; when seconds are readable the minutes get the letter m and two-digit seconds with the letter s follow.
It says 3h29
